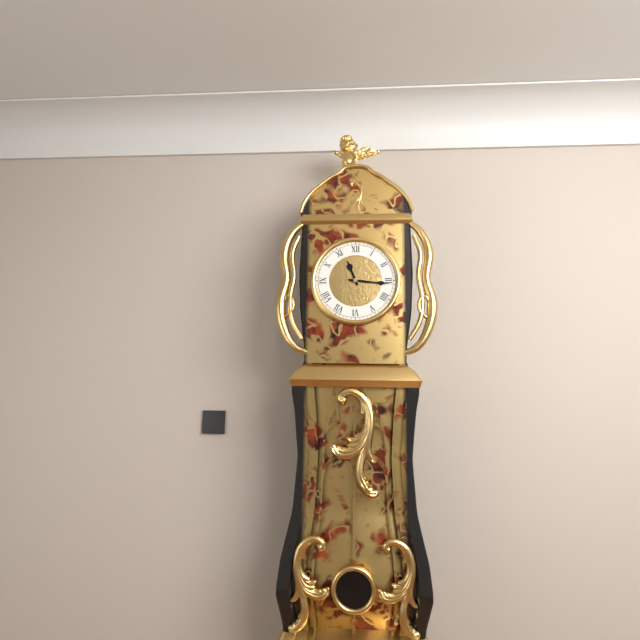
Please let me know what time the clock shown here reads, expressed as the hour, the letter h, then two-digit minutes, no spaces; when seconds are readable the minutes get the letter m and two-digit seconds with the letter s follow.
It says 11h16
